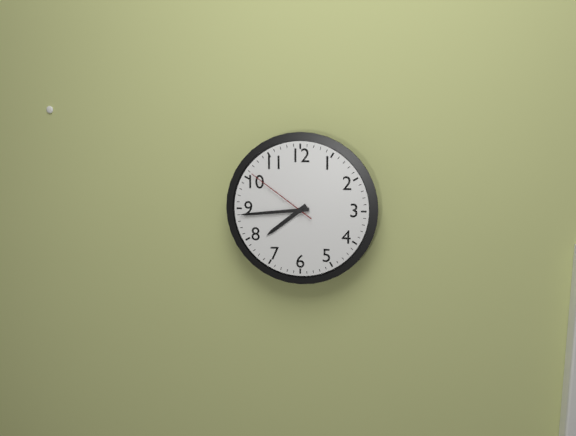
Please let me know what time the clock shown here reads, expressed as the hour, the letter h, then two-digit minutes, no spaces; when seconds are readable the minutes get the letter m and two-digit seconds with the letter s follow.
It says 7h44m51s
